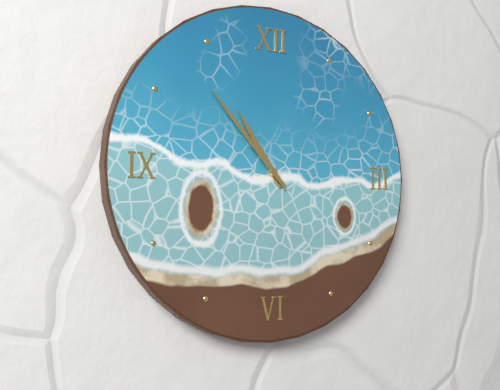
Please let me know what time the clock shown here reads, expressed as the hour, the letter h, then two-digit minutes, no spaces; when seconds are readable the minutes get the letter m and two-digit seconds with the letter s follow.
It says 10h53
